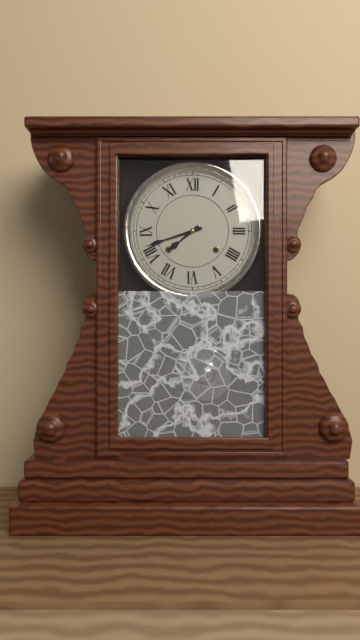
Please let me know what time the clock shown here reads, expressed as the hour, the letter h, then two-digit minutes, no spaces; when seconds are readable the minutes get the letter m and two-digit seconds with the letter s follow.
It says 7h42
